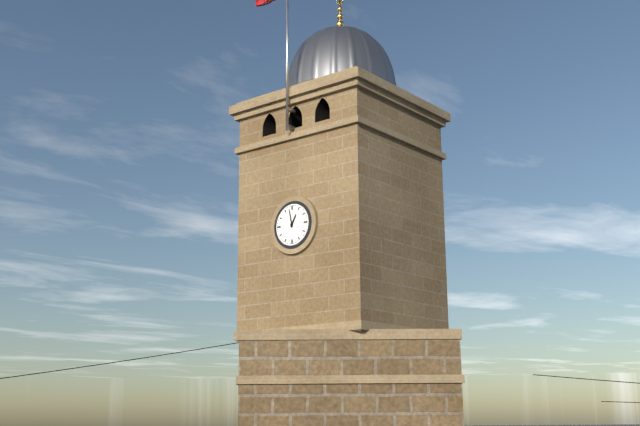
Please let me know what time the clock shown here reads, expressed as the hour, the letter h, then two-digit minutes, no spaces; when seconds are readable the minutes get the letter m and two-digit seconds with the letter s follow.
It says 12h58
